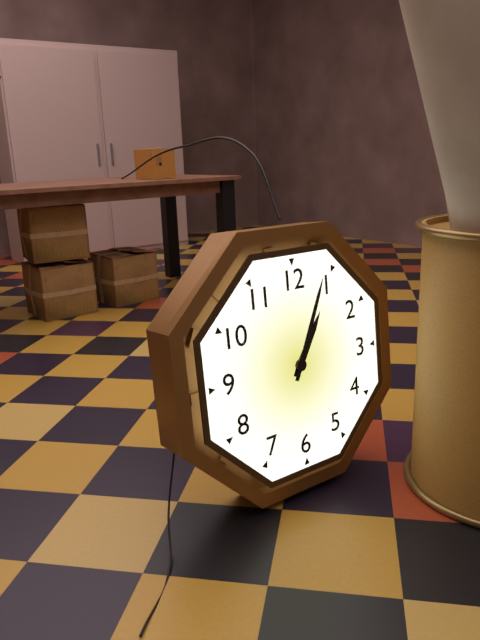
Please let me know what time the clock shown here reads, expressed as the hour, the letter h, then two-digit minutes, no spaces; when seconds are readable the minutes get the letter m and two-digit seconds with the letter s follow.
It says 1h04
